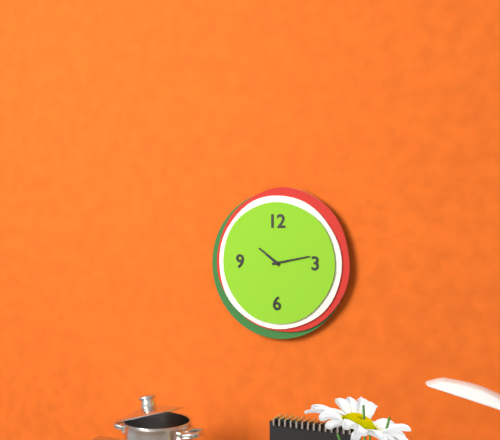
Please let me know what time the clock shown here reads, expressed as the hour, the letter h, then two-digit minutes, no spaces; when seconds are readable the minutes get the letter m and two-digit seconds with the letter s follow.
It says 10h13
